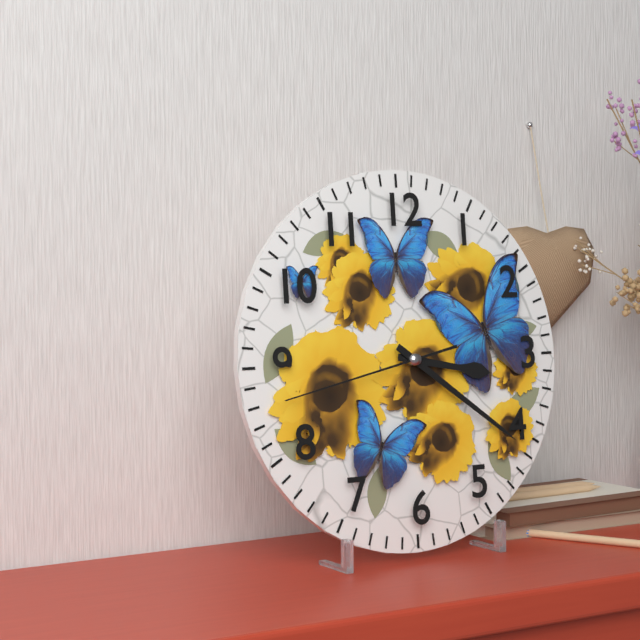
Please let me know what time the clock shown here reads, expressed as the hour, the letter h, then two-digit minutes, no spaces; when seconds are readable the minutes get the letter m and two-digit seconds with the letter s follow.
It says 3h21m43s
